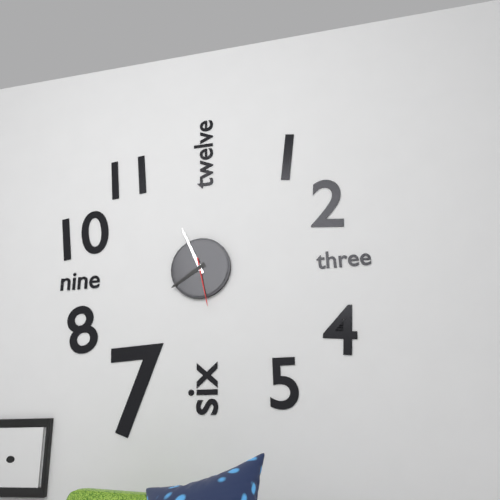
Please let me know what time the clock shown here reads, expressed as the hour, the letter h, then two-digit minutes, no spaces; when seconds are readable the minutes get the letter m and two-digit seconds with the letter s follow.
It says 7h56m28s
